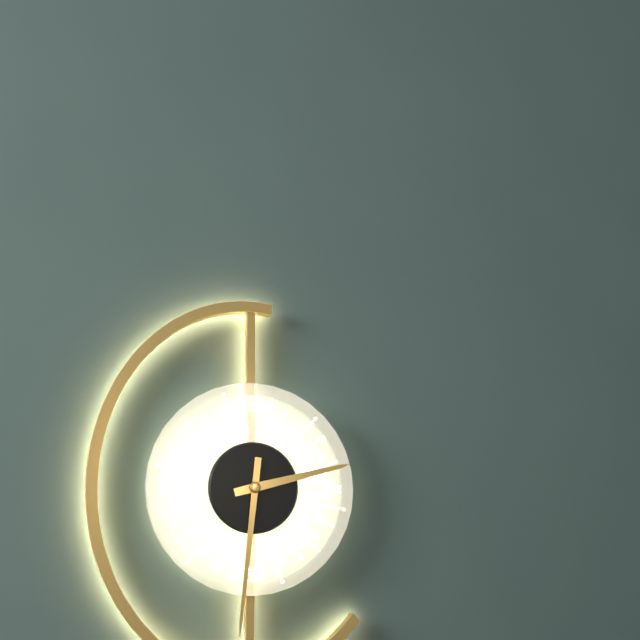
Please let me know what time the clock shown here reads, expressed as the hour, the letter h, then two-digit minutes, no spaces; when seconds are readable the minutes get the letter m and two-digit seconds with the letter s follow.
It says 2h31
